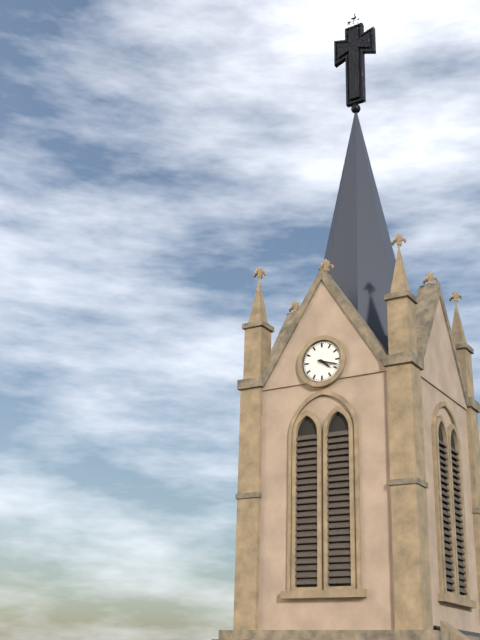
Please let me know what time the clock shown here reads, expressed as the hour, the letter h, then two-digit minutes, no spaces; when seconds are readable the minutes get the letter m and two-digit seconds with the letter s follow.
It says 4h18
